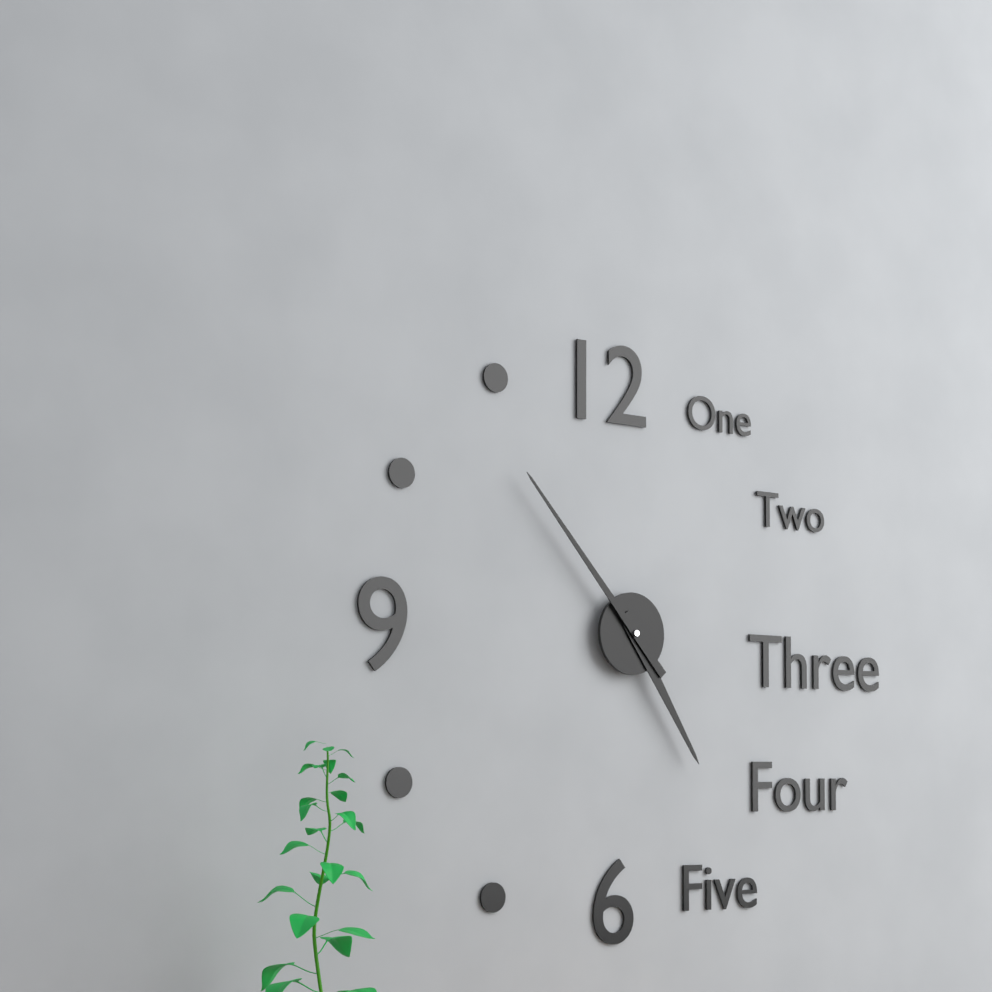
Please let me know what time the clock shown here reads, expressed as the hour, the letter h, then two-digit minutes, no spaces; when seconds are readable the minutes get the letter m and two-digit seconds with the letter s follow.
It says 4h53
